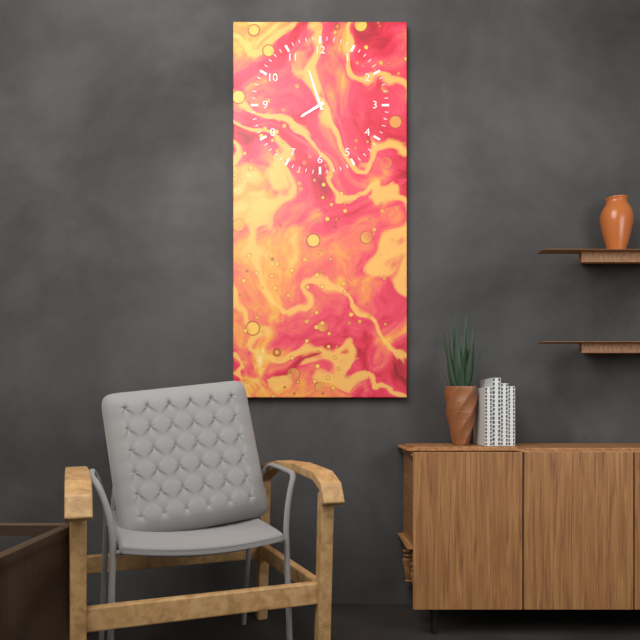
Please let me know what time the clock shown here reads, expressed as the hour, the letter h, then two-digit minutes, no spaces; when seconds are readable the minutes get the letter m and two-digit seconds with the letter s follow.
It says 7h57
